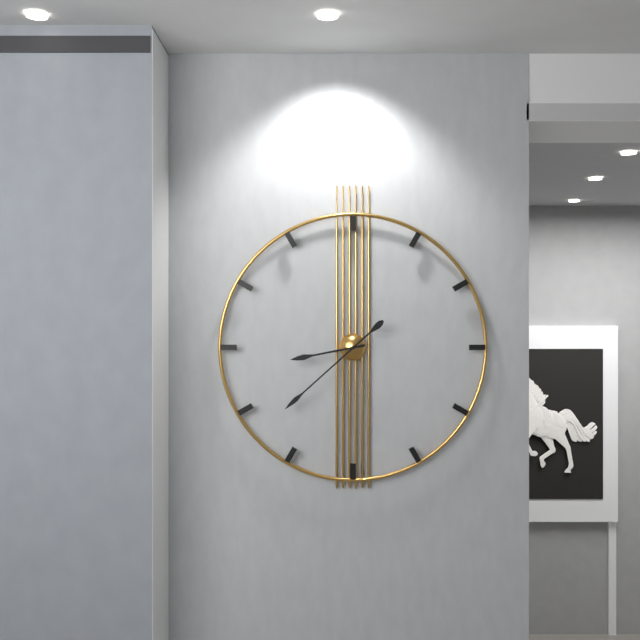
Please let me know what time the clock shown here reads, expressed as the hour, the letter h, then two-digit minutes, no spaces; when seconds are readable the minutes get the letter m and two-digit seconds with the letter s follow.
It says 8h38
